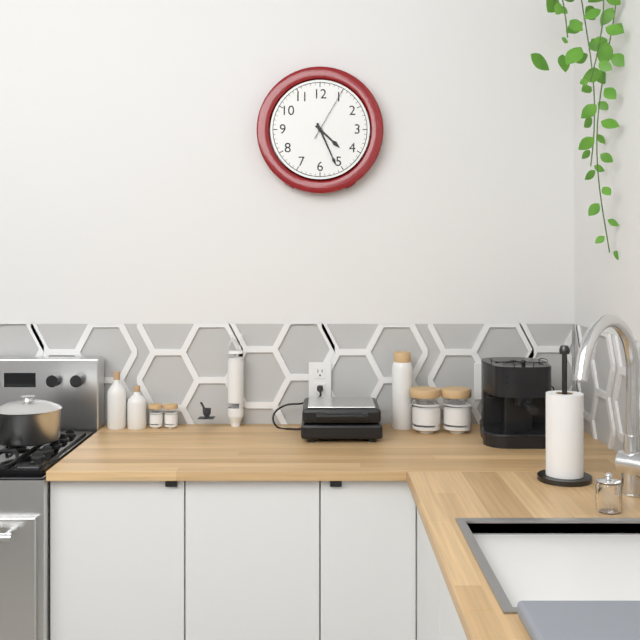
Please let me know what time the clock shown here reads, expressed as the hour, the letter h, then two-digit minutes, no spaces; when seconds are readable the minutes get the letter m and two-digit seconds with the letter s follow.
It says 4h26m05s
